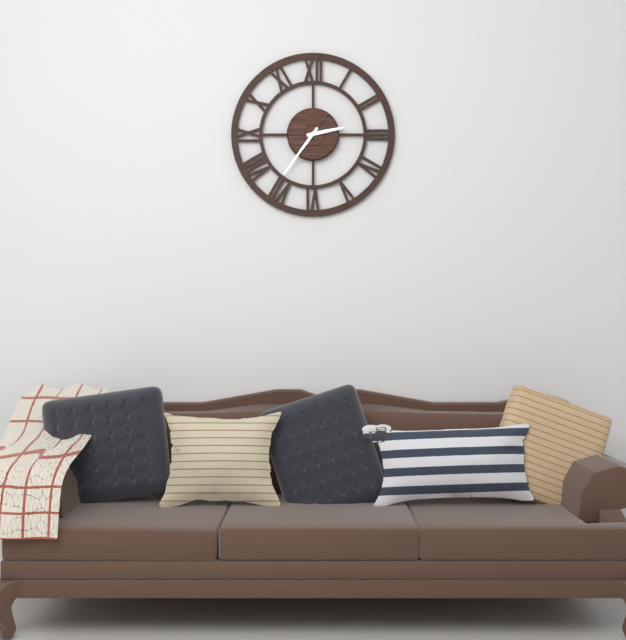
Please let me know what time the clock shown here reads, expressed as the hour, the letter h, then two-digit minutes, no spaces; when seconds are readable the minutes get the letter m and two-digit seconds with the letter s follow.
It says 2h36
